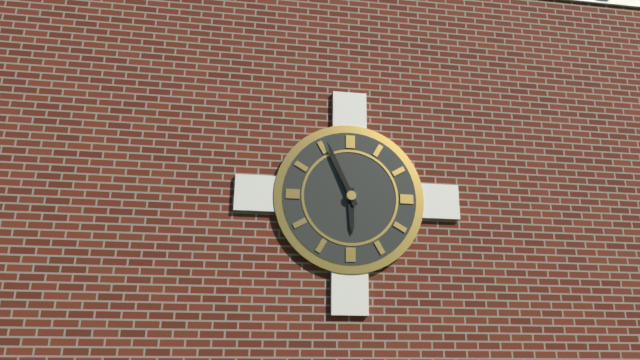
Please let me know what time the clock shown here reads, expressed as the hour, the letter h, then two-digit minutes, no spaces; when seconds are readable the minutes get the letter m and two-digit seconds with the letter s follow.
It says 5h56
